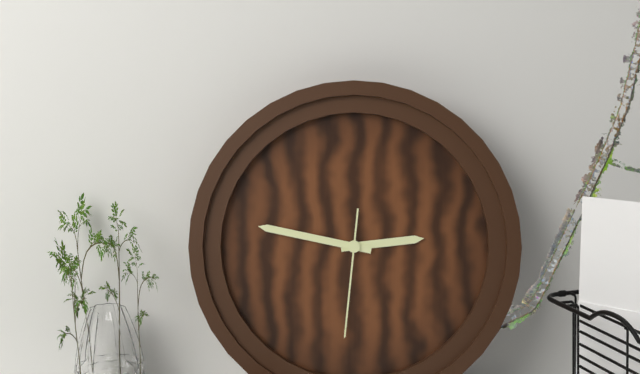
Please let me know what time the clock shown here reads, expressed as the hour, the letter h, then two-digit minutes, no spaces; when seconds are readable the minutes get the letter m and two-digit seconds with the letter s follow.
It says 2h47m31s
